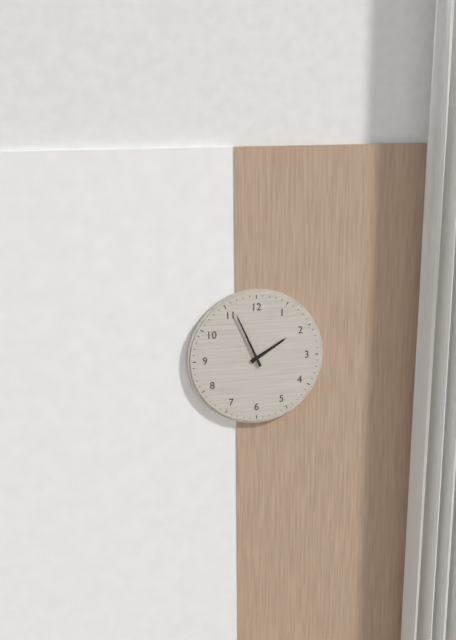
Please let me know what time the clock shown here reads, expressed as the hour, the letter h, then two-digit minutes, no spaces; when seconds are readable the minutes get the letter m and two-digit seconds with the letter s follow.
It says 1h56
